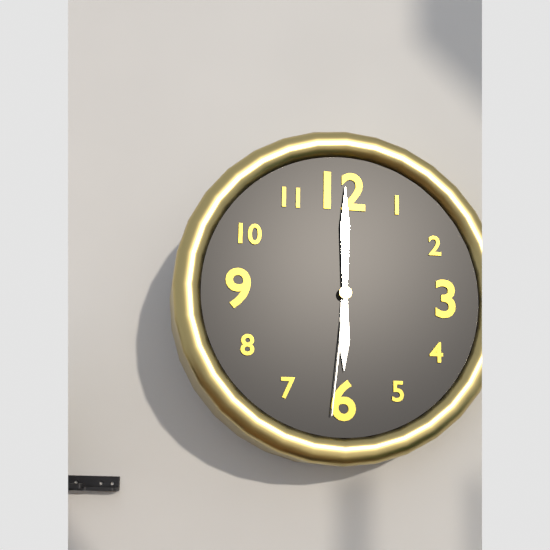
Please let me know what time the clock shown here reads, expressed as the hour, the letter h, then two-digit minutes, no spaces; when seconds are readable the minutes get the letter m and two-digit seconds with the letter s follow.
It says 6h00m31s
